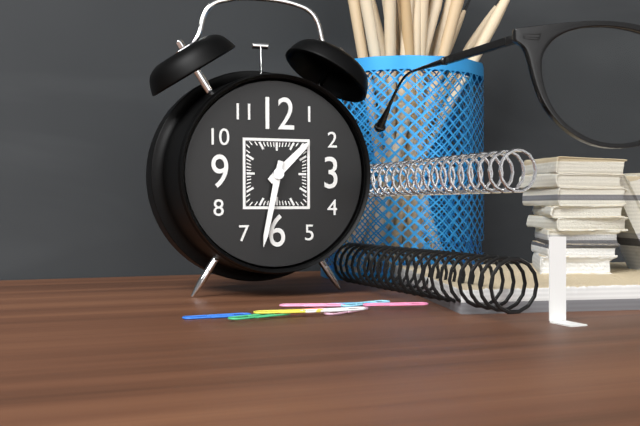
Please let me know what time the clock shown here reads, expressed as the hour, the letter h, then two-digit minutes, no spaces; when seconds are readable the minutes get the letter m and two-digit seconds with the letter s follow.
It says 1h32
